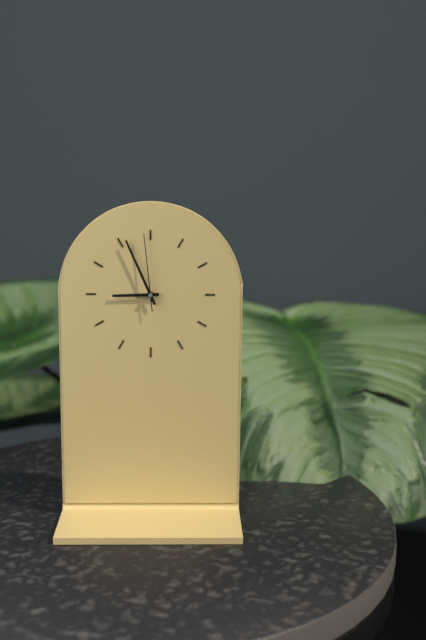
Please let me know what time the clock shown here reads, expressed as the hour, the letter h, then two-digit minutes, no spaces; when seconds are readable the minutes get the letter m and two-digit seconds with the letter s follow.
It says 8h56m59s
